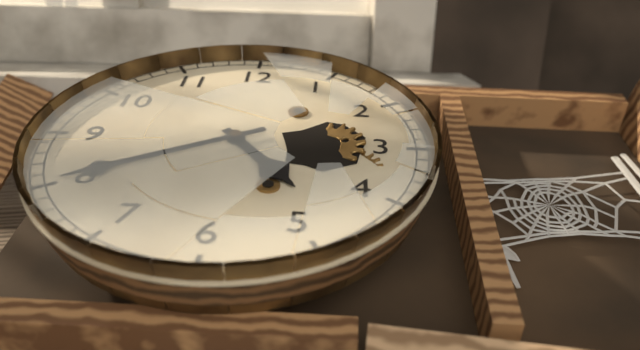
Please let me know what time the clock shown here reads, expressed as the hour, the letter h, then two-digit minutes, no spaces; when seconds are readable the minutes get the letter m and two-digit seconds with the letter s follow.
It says 4h40
